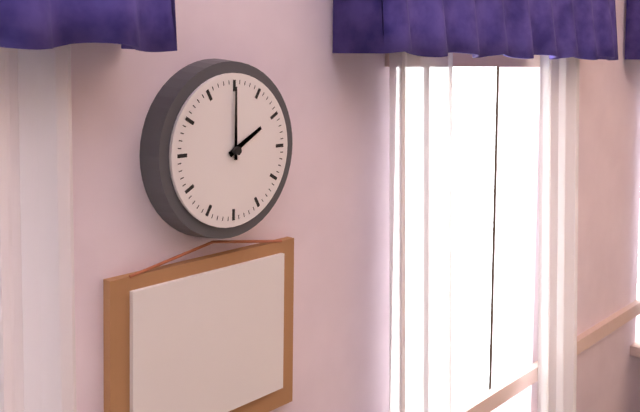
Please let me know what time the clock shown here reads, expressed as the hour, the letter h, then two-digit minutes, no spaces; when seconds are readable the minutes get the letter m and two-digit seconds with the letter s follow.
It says 2h00
